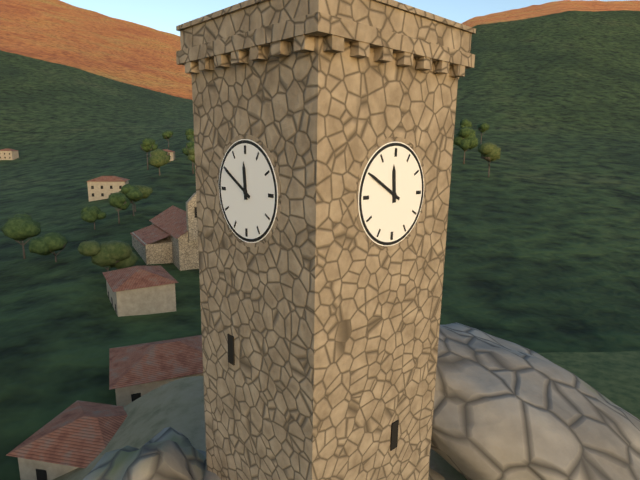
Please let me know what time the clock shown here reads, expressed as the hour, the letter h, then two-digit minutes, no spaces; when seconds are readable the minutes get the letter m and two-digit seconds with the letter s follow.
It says 11h50
